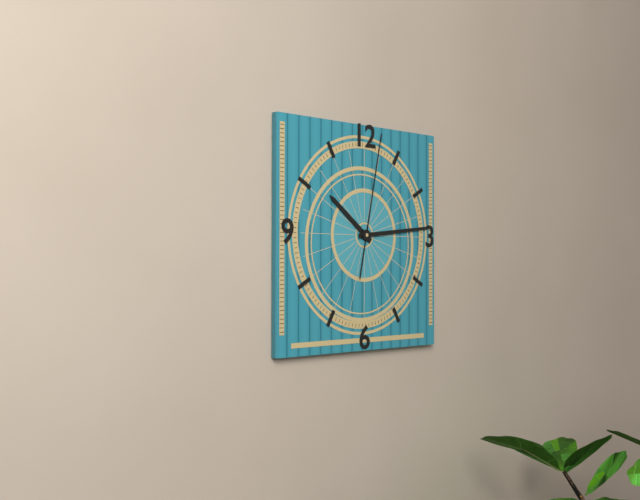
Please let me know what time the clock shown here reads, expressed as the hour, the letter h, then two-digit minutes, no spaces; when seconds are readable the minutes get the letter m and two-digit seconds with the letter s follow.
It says 10h14m02s
